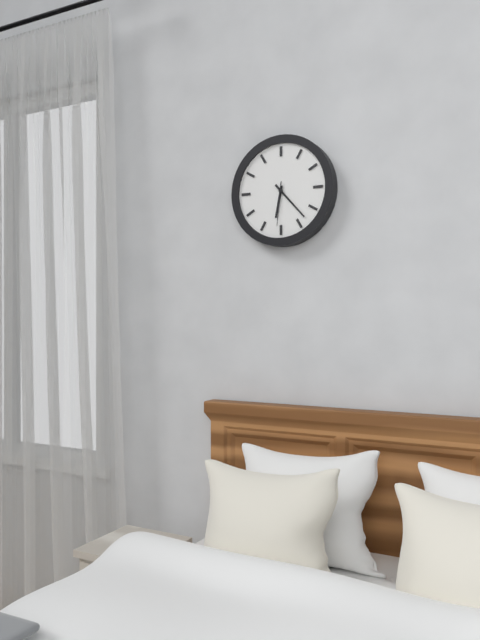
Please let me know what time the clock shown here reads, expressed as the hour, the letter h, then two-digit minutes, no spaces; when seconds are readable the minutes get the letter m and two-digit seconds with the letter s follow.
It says 6h23
